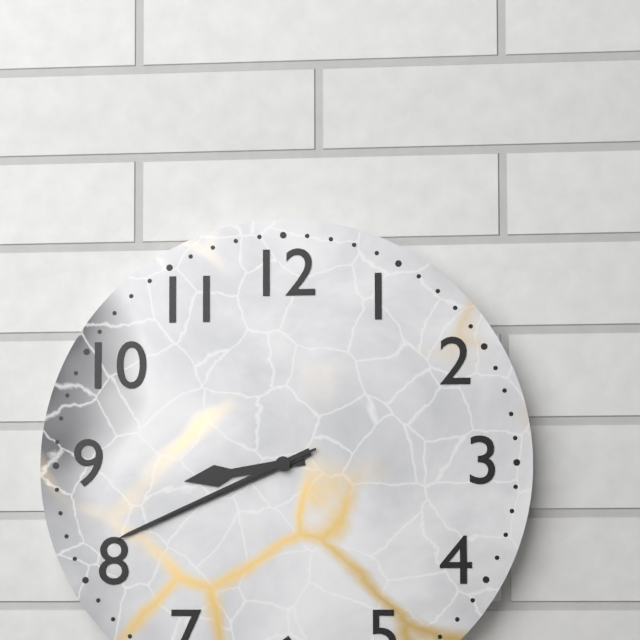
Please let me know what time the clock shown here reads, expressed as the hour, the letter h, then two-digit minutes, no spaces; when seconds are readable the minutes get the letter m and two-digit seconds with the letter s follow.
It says 8h41m41s
